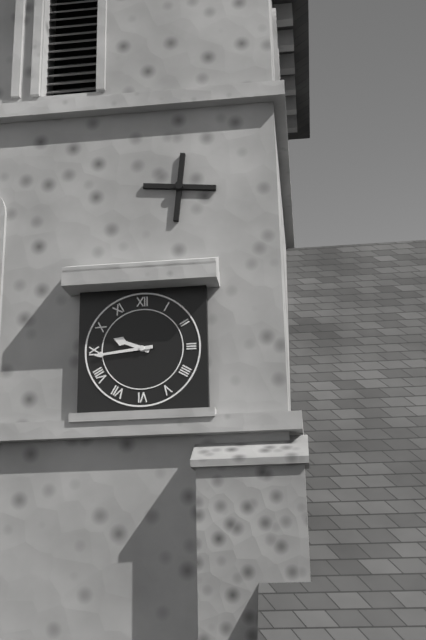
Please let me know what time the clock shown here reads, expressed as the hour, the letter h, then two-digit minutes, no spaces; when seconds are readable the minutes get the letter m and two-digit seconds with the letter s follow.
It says 9h44
